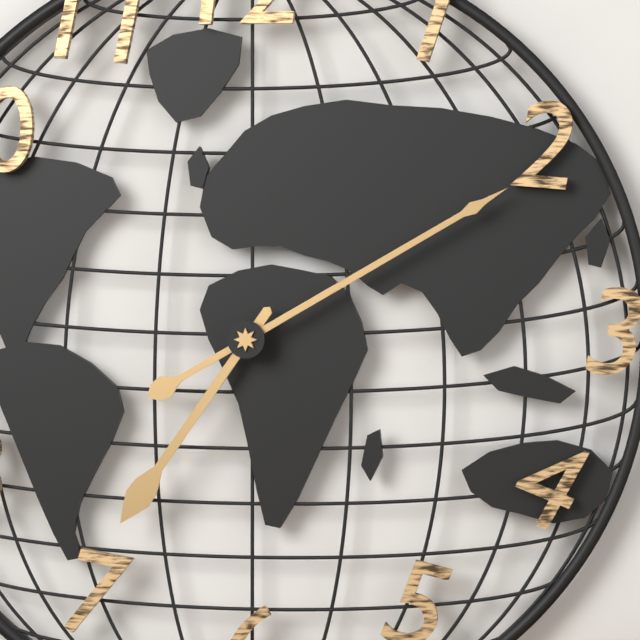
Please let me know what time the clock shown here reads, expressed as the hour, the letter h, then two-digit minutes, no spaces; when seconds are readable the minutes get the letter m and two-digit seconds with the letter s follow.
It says 7h10
